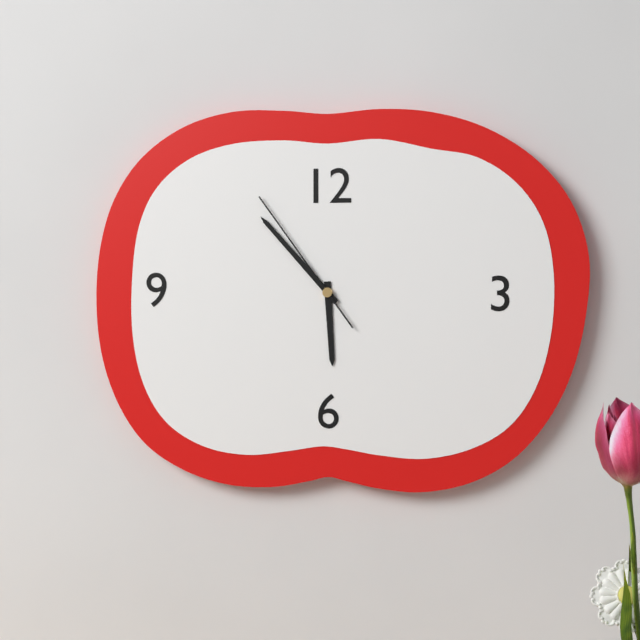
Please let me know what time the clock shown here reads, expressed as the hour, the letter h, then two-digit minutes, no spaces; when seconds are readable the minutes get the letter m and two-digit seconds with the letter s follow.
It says 5h53m54s
